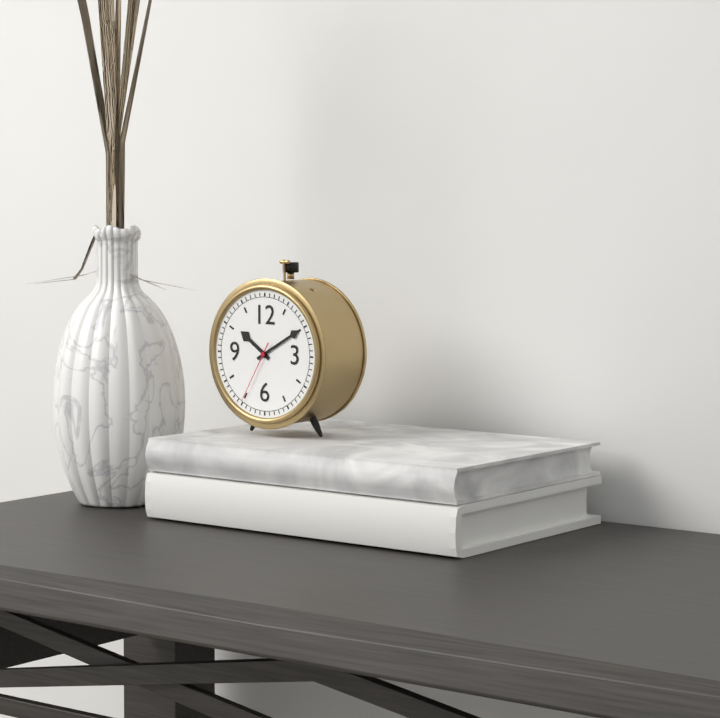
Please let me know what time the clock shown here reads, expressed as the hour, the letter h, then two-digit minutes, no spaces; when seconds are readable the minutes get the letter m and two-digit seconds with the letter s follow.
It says 10h10m35s
